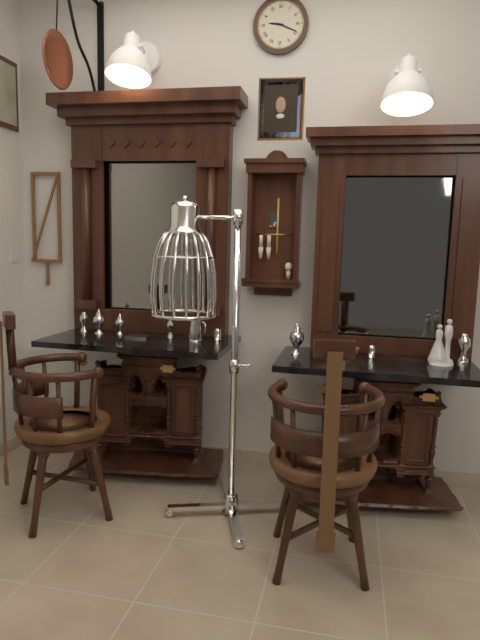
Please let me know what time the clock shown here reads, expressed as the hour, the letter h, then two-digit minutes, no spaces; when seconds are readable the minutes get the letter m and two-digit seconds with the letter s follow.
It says 9h19
